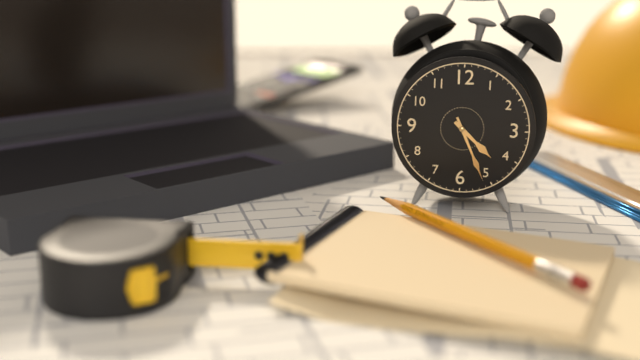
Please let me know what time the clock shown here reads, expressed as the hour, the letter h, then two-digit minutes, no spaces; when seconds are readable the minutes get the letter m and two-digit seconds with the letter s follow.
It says 4h26
